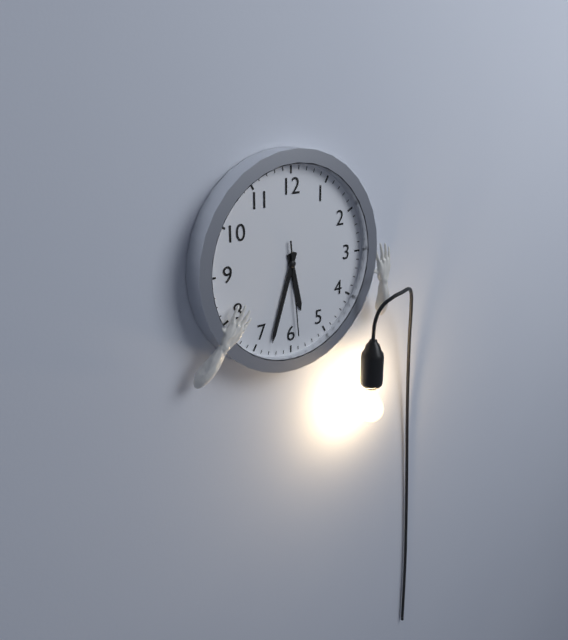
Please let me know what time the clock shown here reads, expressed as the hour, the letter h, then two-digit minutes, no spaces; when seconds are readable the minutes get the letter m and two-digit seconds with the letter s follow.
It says 5h33m29s
